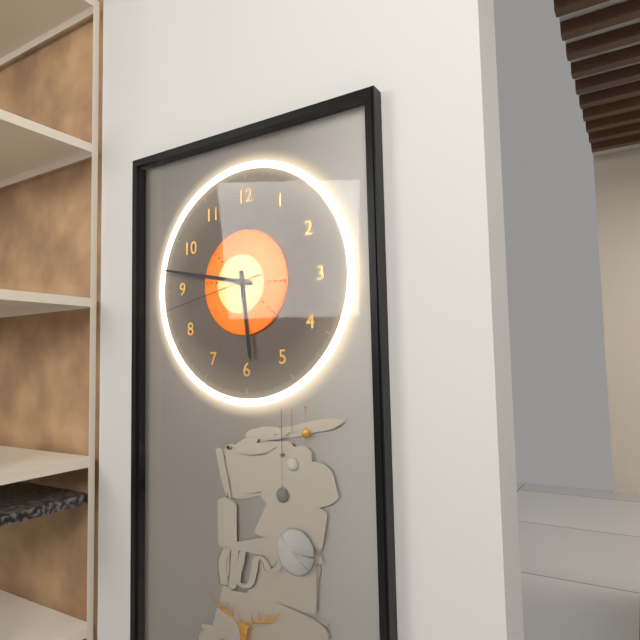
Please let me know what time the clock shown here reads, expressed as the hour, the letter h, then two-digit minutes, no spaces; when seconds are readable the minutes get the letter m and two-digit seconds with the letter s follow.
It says 5h47m43s
